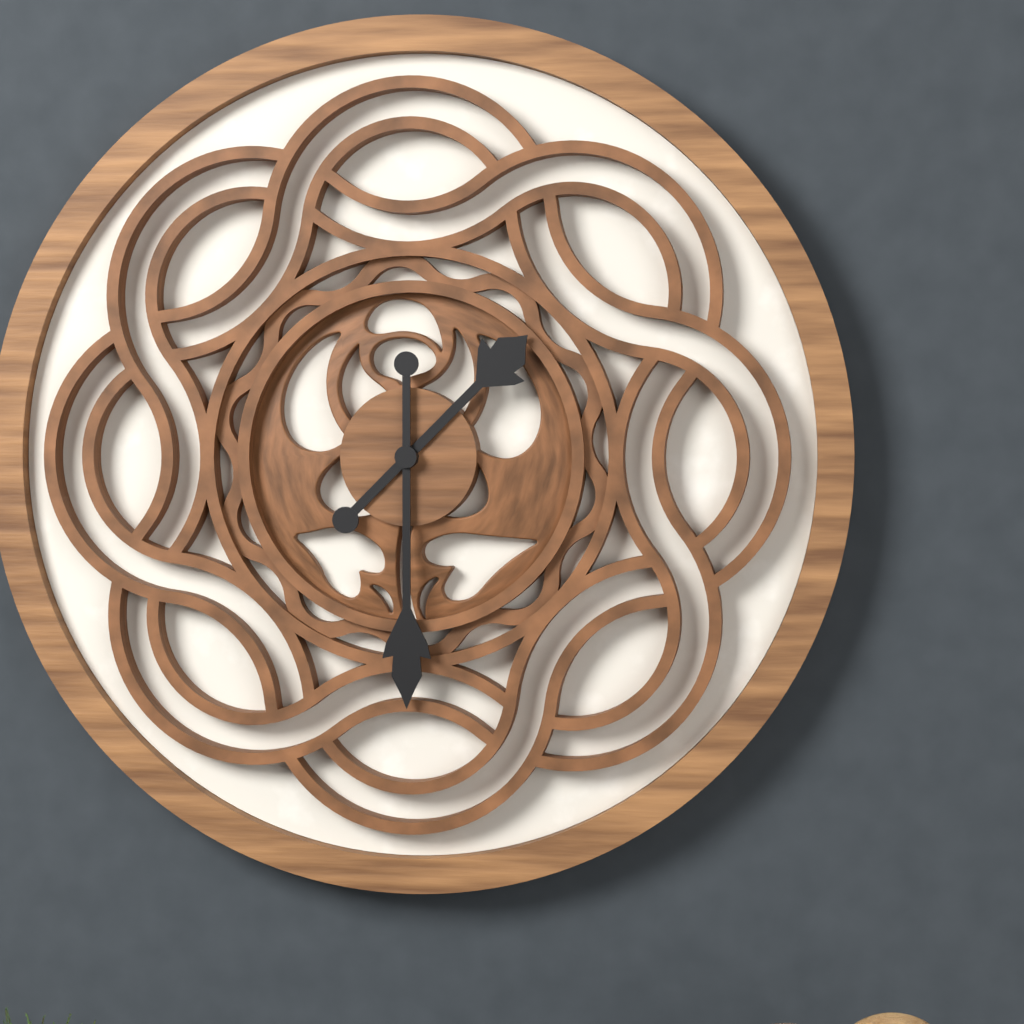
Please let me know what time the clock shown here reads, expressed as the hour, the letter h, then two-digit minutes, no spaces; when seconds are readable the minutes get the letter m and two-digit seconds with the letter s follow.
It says 1h30
